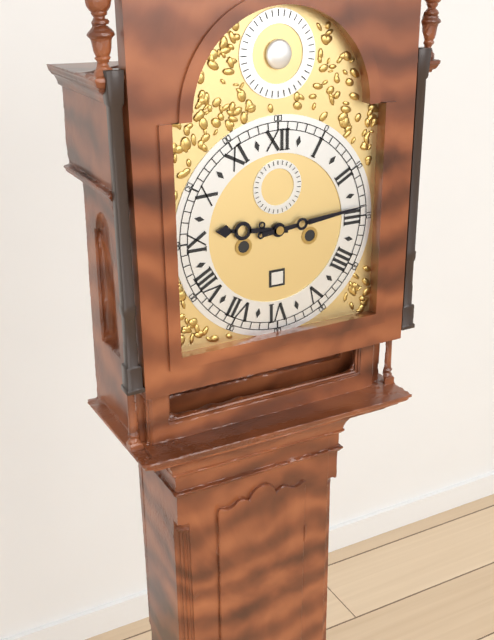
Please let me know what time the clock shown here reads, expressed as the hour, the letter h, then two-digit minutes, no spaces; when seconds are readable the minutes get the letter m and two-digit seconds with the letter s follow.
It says 9h14
